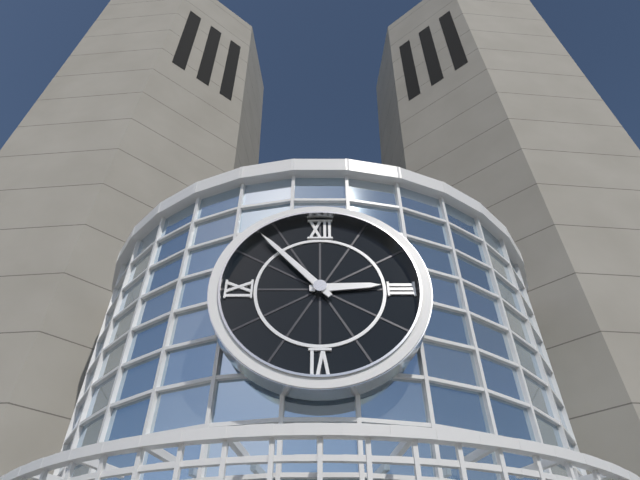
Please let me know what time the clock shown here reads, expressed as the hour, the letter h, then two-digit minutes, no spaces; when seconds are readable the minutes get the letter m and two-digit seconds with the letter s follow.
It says 2h53
